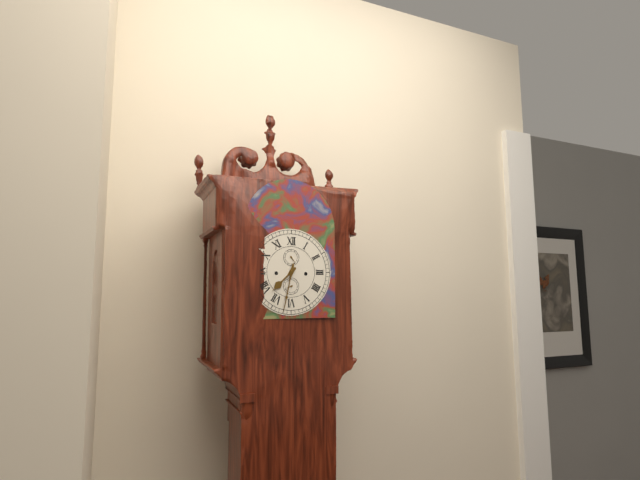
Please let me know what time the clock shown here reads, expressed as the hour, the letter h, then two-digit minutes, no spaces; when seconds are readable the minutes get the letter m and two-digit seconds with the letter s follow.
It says 7h32
